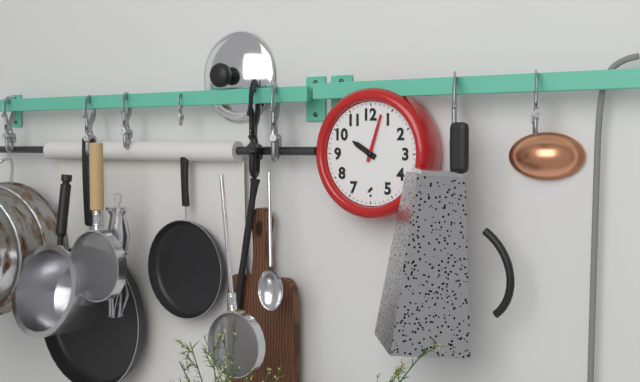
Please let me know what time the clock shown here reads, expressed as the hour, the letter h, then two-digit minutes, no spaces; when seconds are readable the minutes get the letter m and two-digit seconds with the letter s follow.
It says 10h03
